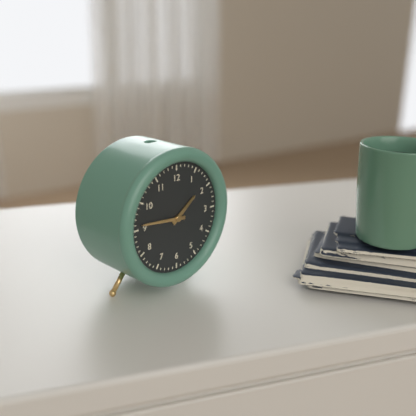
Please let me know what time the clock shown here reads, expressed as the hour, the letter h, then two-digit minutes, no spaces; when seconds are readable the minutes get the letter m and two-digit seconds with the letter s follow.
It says 1h46
